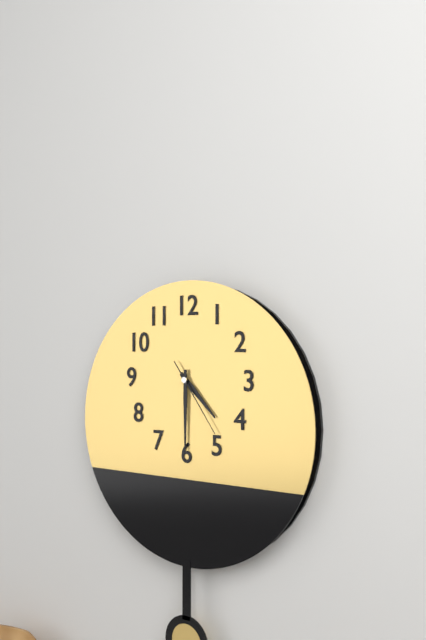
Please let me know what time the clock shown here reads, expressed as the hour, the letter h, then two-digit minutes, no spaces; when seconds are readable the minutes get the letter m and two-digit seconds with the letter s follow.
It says 4h30m24s
